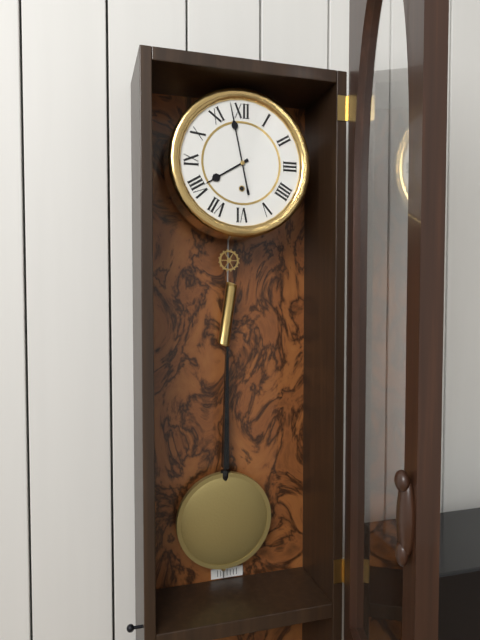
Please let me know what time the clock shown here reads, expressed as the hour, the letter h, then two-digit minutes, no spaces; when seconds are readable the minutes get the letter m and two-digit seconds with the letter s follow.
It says 7h58
